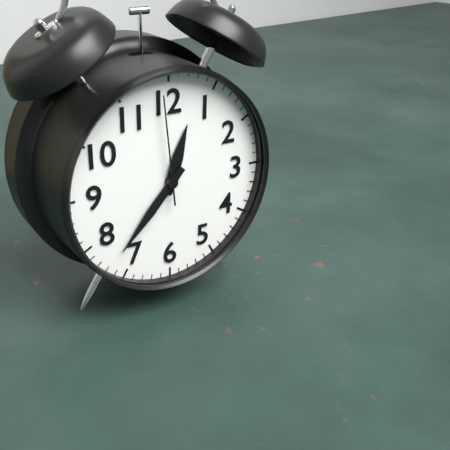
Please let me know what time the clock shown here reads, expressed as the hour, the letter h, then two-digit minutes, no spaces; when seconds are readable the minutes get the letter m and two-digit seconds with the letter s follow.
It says 12h37m59s
